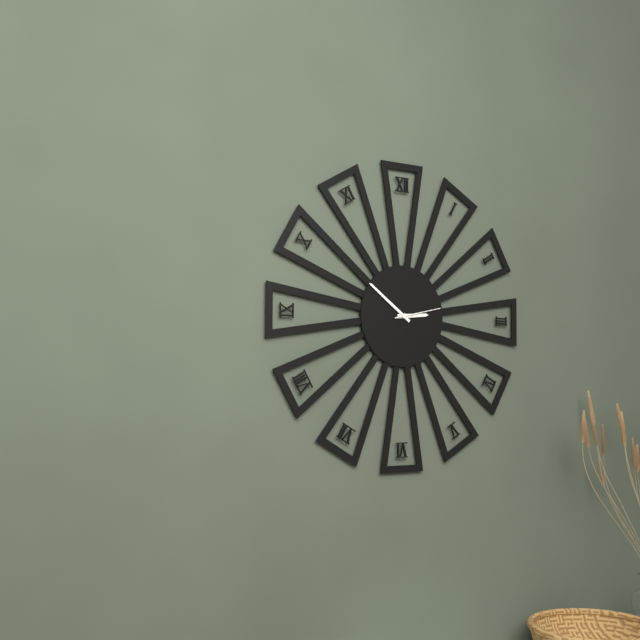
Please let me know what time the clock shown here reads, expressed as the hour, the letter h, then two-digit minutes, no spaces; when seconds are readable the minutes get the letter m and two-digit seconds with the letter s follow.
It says 2h51
